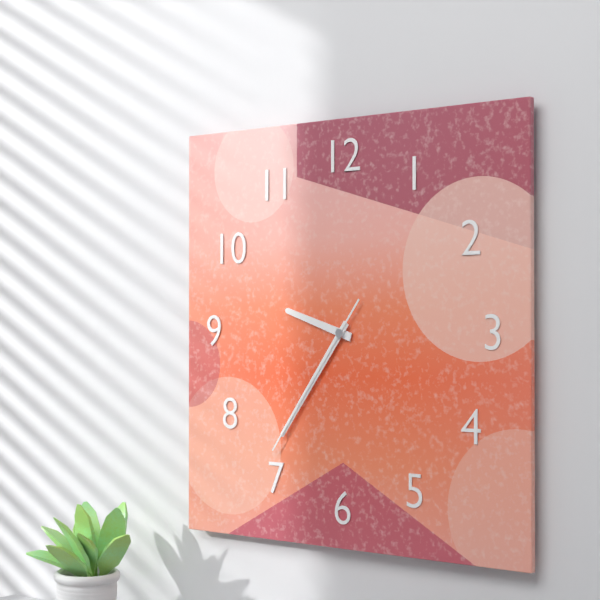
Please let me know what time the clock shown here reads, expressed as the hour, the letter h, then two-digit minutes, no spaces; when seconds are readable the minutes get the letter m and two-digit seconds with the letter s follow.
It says 9h36m36s
